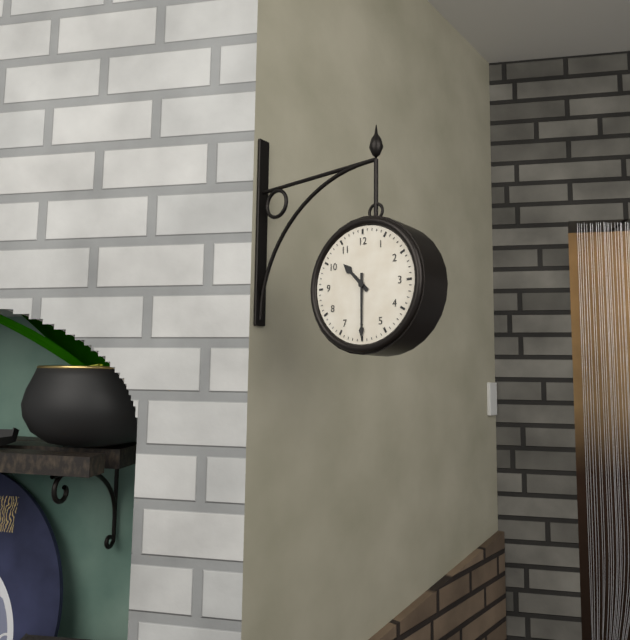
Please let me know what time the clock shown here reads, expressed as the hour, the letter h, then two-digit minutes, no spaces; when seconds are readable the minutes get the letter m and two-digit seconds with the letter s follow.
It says 10h30
